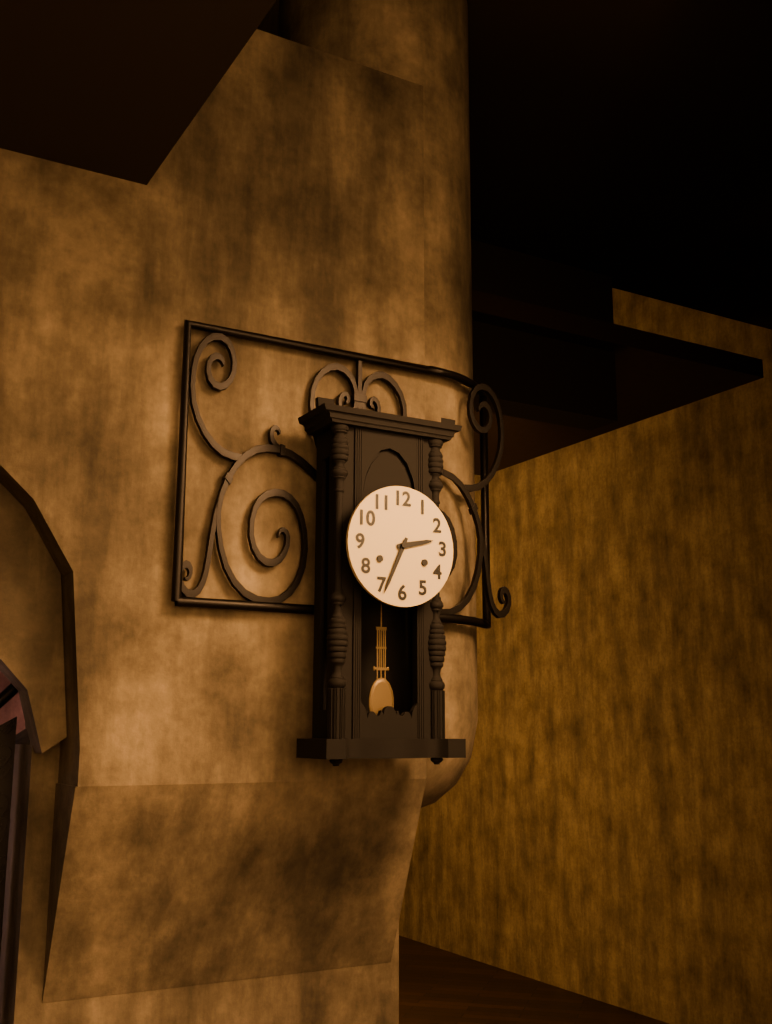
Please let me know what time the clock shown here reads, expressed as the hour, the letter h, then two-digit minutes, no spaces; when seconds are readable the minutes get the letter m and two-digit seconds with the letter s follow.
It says 2h34
